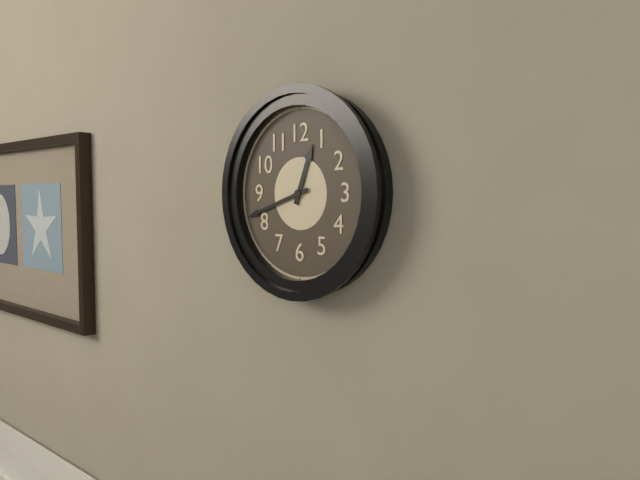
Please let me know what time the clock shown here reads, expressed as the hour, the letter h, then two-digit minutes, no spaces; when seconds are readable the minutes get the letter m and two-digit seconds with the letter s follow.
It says 12h42
